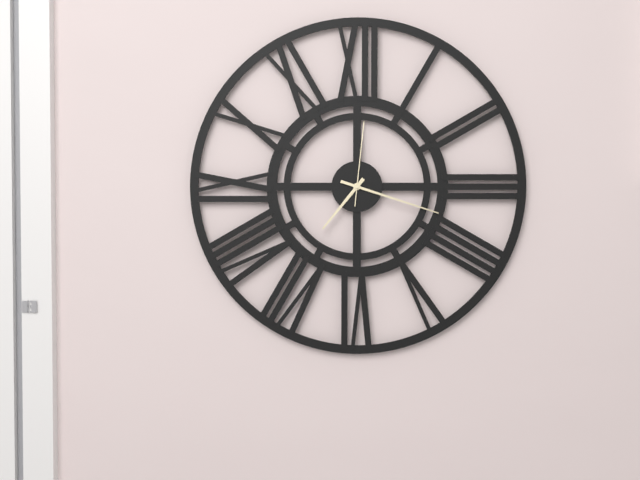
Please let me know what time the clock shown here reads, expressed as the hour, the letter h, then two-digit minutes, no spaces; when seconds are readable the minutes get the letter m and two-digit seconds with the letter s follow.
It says 7h18m01s
